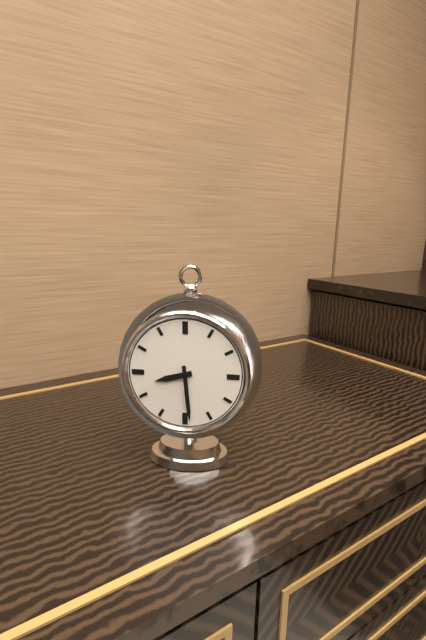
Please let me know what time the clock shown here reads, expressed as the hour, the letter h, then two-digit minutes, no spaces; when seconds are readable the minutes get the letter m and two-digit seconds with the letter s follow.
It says 8h29
